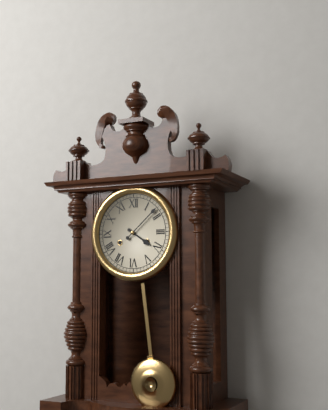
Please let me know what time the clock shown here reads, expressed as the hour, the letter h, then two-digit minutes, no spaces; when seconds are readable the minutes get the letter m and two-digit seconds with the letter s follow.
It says 4h08
